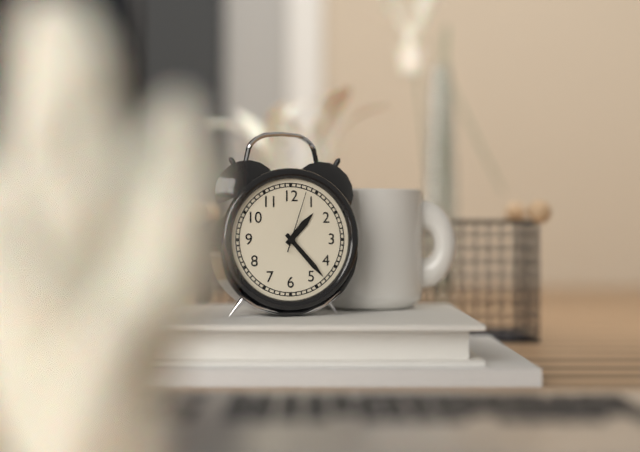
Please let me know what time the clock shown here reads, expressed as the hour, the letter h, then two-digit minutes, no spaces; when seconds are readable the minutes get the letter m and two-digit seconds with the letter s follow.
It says 1h23m03s
